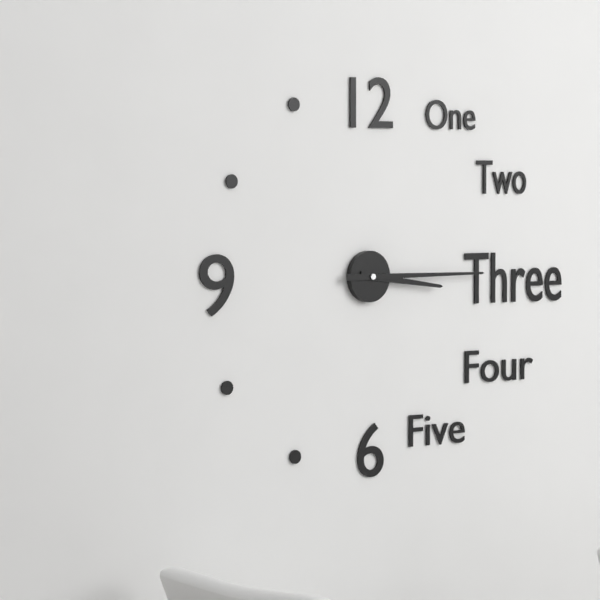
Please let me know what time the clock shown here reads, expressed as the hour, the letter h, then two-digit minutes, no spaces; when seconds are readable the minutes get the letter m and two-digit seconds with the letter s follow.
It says 3h15
